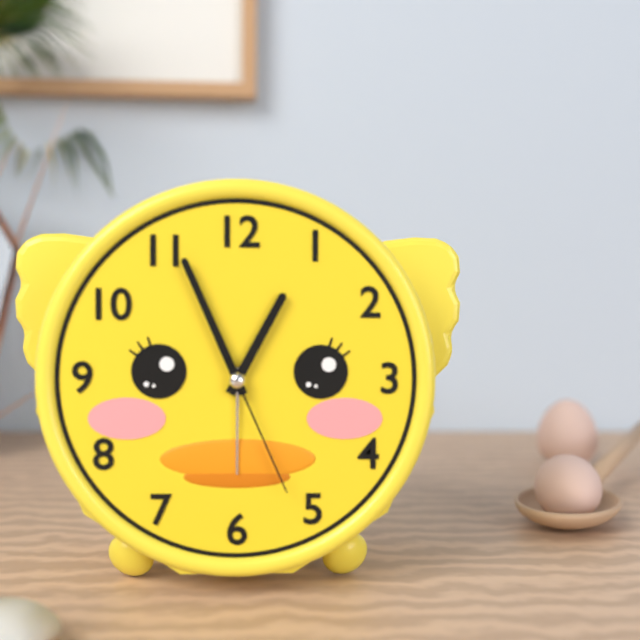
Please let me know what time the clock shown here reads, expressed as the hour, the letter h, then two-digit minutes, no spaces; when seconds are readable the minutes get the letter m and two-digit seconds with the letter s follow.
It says 12h56m26s
